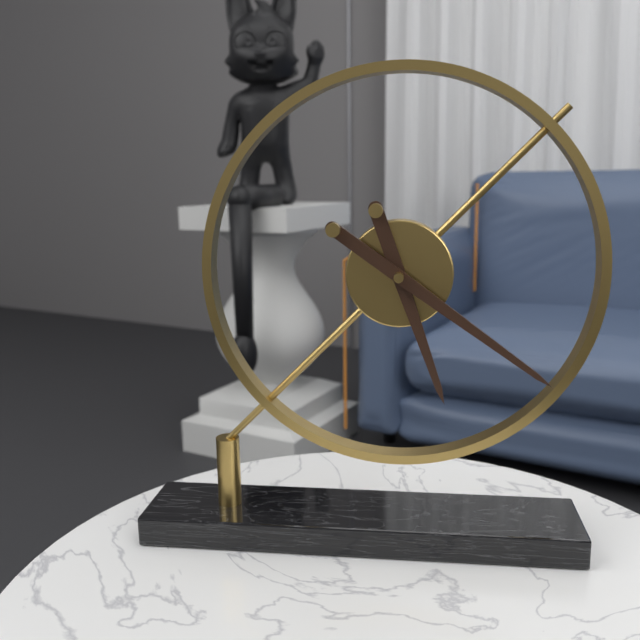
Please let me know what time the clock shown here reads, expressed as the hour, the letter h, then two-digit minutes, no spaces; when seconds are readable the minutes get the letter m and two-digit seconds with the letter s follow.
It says 5h21
